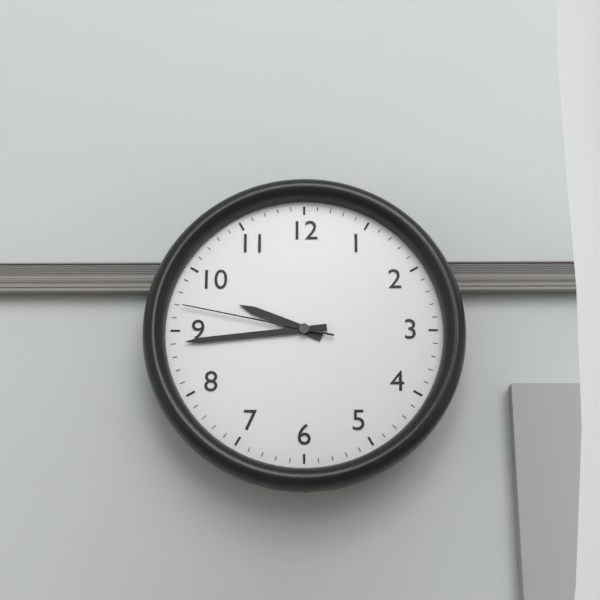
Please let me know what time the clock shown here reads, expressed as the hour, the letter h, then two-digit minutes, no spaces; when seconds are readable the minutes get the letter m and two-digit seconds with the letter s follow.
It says 9h44m47s
